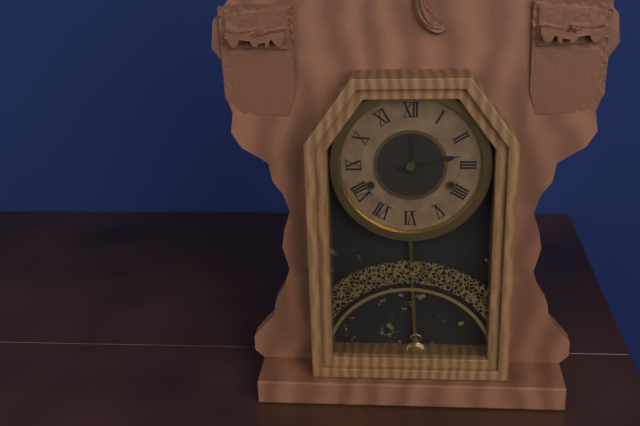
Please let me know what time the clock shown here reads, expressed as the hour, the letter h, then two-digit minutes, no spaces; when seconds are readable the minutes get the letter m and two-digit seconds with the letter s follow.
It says 12h13
